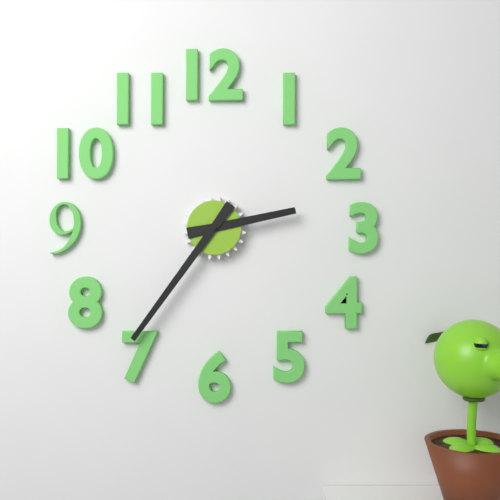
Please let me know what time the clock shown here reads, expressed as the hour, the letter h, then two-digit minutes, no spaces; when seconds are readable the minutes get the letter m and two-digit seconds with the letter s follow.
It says 2h36
